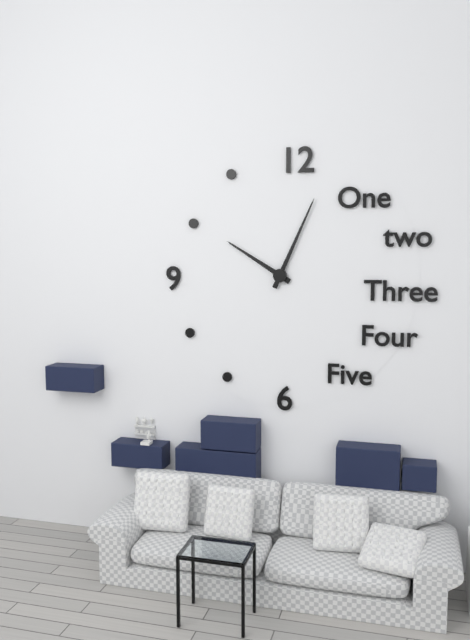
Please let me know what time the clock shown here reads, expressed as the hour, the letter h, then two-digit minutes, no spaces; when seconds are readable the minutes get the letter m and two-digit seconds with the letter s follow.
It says 10h04
